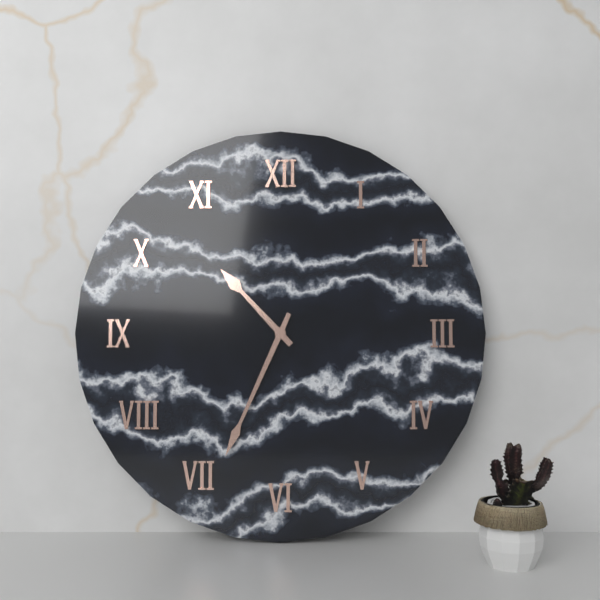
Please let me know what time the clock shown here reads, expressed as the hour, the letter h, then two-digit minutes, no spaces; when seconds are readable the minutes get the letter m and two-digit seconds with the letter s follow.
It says 10h34
